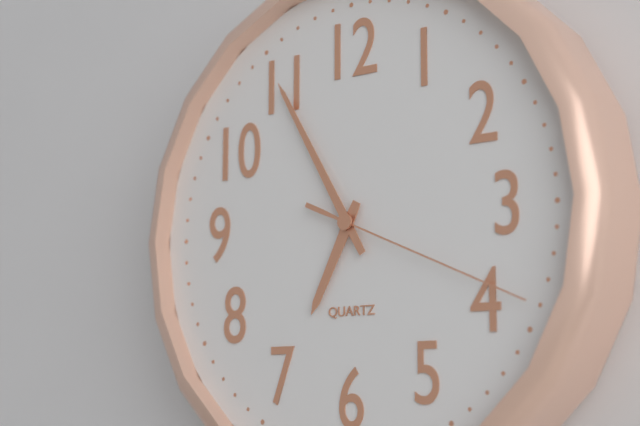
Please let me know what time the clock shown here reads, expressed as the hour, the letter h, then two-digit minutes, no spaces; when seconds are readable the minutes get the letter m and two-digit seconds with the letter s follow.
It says 6h55m19s
